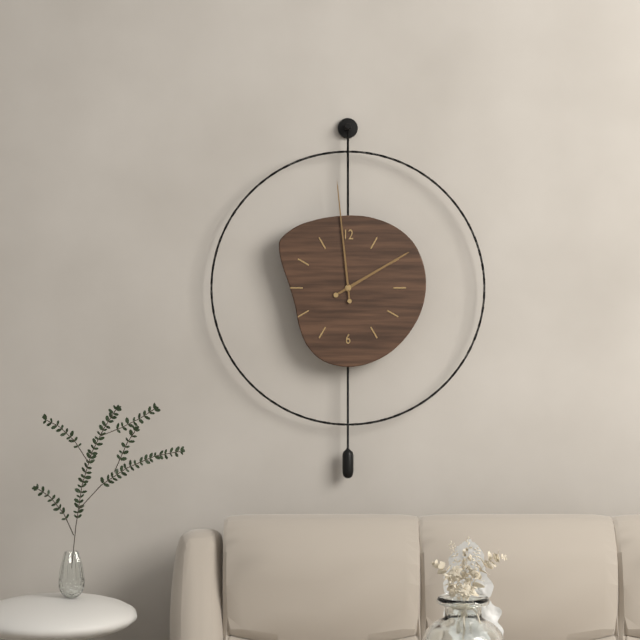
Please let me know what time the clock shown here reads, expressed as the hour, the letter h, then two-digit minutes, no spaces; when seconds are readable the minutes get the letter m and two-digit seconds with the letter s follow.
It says 1h59
